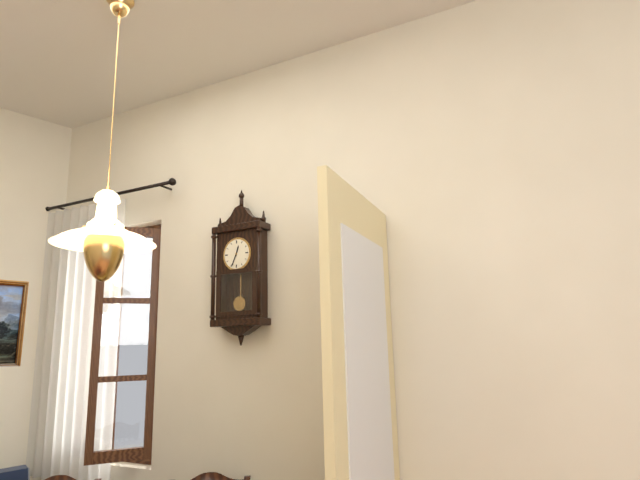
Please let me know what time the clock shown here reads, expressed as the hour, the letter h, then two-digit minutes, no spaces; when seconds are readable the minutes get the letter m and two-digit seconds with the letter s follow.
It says 12h34
